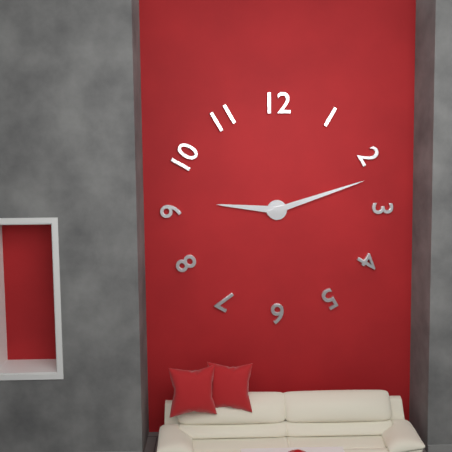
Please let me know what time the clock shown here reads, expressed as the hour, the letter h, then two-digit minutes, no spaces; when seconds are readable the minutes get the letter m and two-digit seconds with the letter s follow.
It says 9h12
